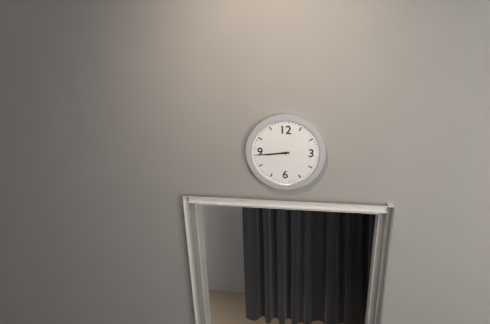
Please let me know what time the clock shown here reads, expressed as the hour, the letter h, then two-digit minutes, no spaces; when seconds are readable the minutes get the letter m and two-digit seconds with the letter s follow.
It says 8h44
